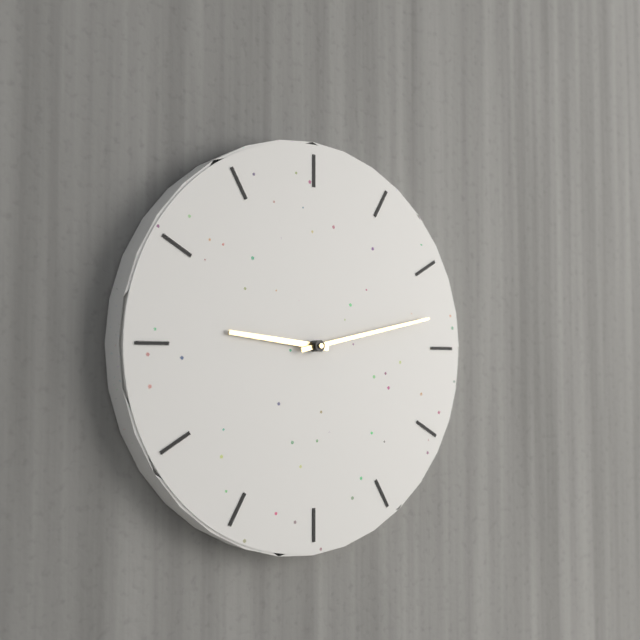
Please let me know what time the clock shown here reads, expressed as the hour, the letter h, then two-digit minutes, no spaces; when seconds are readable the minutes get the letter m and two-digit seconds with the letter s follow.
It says 9h13
